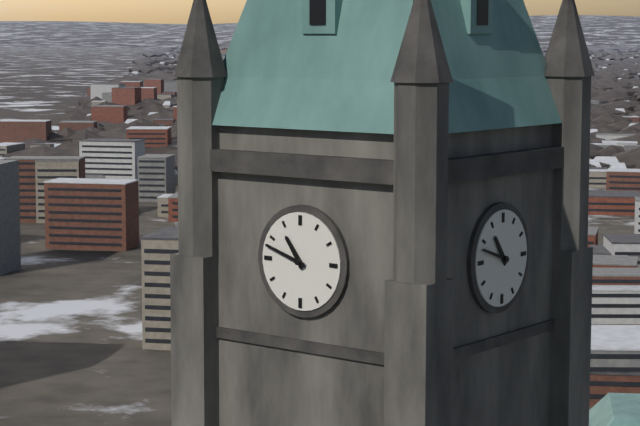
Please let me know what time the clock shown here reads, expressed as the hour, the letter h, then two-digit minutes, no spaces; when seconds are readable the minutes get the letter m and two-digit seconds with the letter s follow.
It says 10h48
